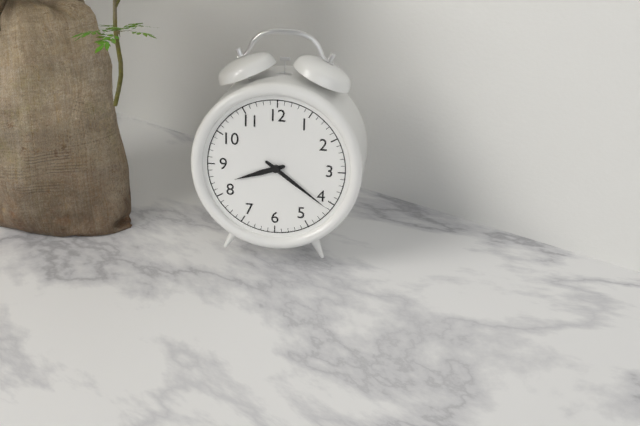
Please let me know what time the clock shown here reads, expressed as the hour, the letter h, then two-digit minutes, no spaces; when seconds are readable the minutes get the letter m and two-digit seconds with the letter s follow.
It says 8h21
